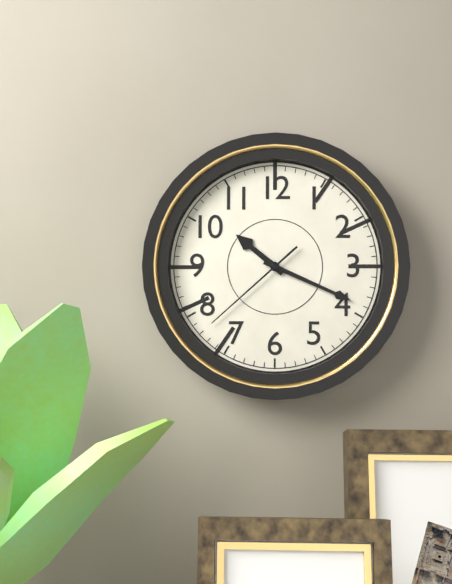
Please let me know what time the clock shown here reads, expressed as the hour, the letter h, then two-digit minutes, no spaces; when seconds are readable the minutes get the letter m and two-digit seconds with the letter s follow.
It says 10h19m38s
